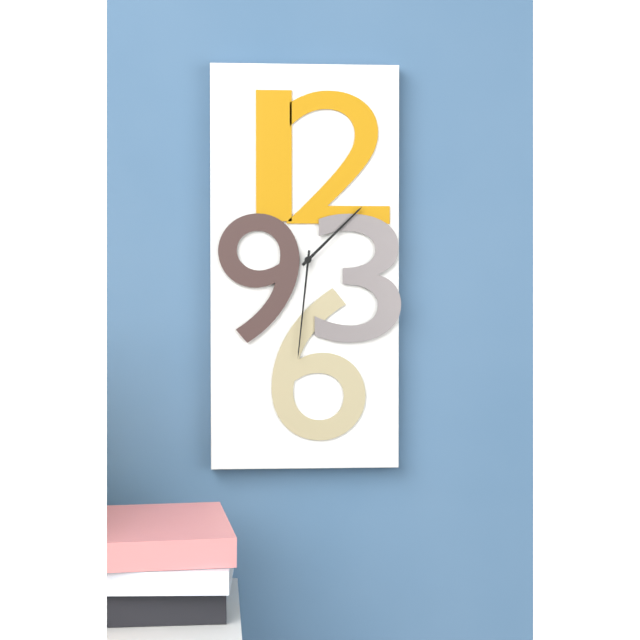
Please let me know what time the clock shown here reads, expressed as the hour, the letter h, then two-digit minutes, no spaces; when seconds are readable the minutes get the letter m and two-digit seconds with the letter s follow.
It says 1h31
